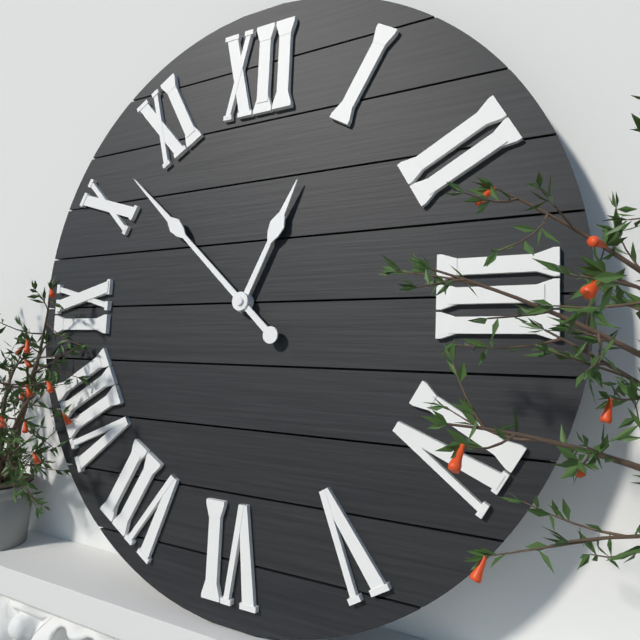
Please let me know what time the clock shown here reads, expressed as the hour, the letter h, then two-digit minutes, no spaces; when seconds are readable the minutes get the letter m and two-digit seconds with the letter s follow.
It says 12h52
